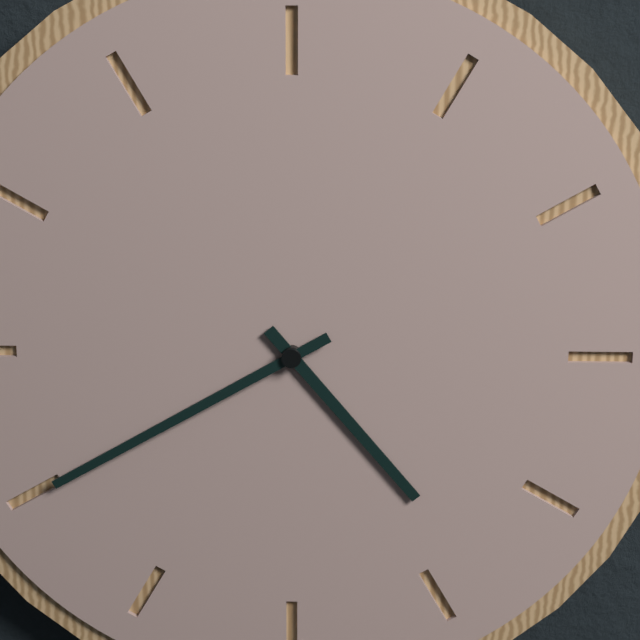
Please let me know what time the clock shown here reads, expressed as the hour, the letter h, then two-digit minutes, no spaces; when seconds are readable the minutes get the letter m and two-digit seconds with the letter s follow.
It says 4h40
